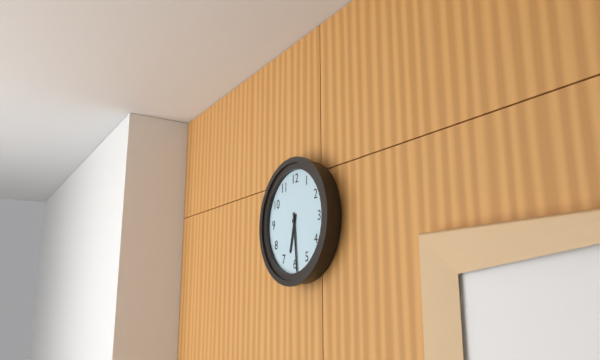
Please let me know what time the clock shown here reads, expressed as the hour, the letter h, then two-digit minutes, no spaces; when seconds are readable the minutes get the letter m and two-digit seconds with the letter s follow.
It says 6h29
